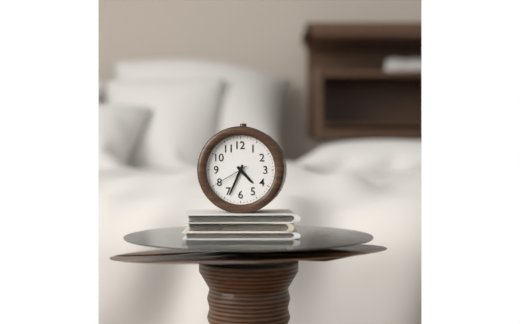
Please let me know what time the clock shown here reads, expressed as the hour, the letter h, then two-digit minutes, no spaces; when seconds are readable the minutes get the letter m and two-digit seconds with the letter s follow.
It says 4h34
